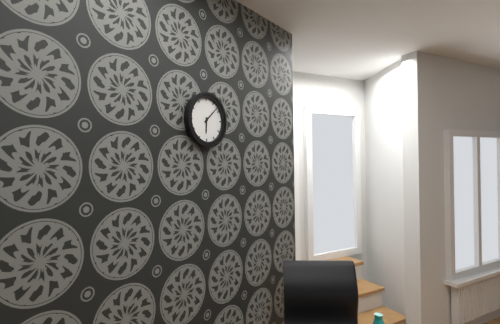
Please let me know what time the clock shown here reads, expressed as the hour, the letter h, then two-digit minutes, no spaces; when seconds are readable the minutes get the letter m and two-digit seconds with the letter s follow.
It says 6h08
